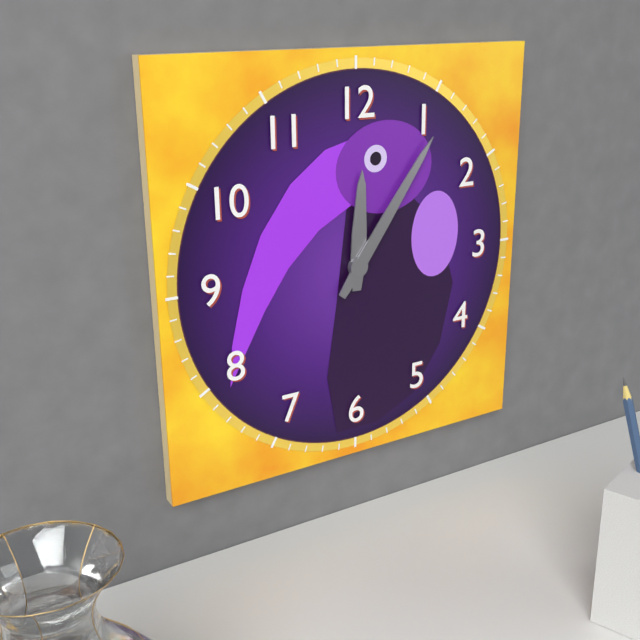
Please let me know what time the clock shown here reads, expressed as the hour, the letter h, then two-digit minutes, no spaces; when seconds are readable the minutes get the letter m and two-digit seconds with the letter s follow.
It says 12h06
